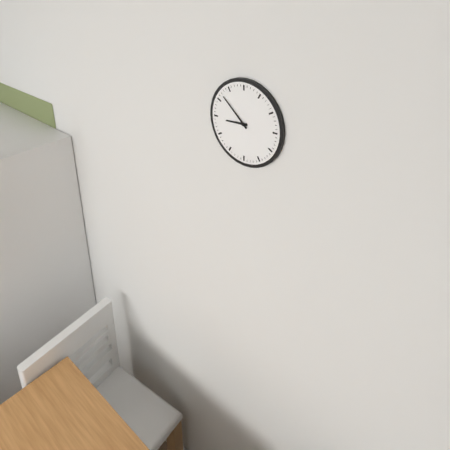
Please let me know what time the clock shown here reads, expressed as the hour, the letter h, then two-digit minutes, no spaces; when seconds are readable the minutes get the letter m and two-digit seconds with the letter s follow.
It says 8h52
